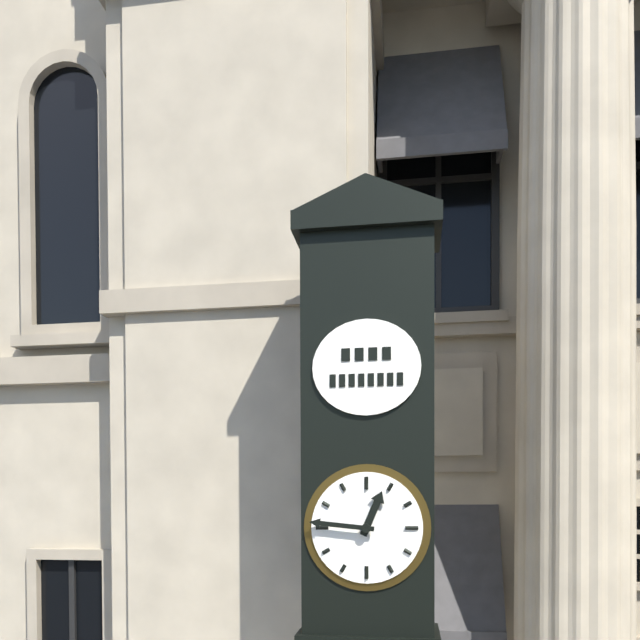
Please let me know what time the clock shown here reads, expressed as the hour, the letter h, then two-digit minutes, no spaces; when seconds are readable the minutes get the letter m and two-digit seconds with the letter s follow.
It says 12h46
